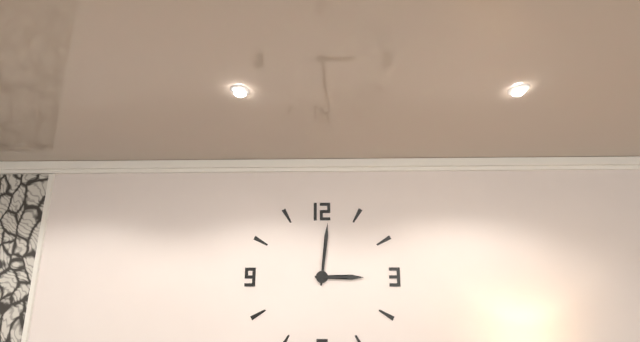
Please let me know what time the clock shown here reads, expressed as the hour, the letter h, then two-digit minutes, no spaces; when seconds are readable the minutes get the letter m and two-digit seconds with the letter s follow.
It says 3h01
